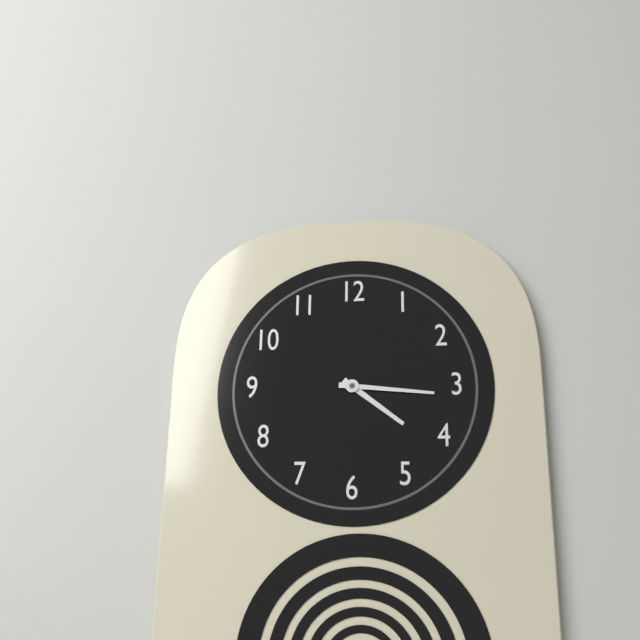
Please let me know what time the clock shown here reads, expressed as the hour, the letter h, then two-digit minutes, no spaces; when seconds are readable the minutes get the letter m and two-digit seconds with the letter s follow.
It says 4h16
